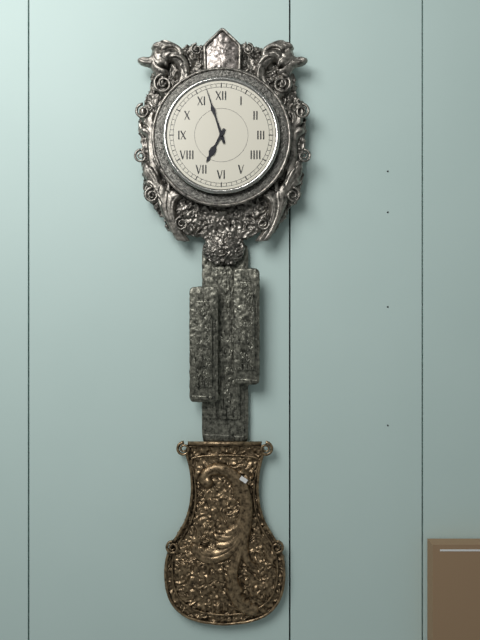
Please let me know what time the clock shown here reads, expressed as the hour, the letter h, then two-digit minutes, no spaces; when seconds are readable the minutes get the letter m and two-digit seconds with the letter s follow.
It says 6h57
